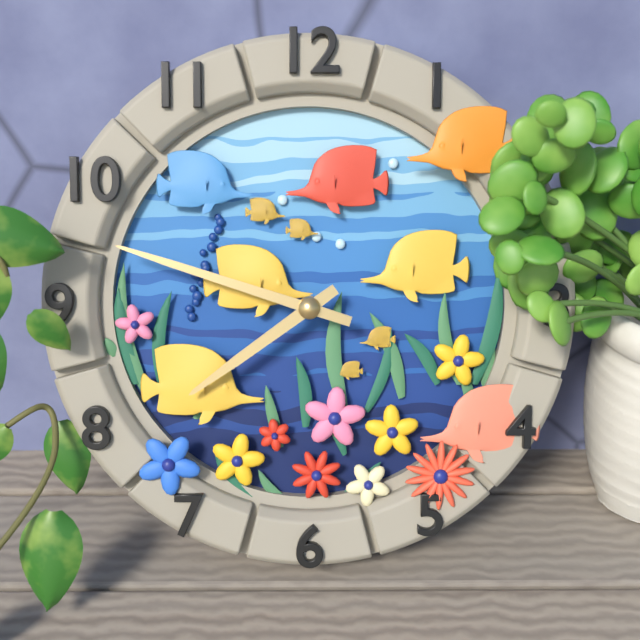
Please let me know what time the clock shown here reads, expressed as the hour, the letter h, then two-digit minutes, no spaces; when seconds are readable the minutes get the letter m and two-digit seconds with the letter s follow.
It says 7h48
